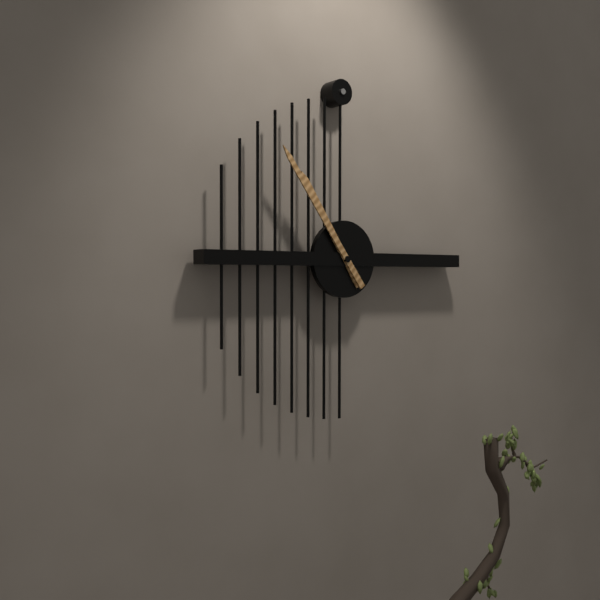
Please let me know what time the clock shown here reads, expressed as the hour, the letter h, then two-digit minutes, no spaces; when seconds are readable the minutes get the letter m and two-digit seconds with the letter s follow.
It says 10h54
